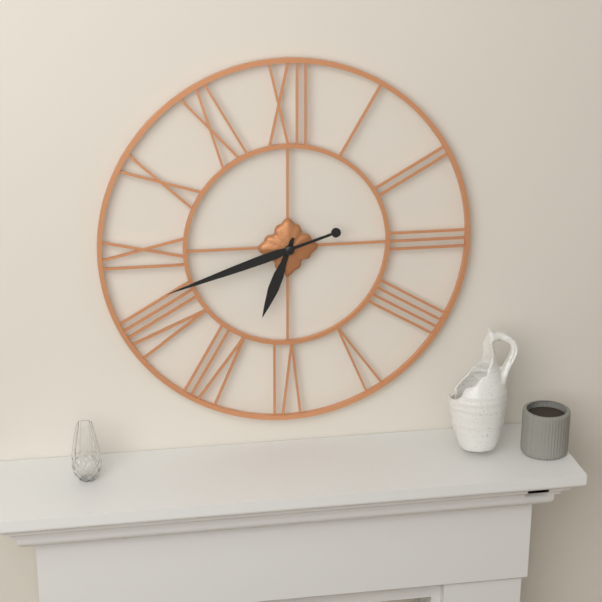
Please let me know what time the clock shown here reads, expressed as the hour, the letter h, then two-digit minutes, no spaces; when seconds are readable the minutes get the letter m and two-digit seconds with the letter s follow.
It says 6h42
